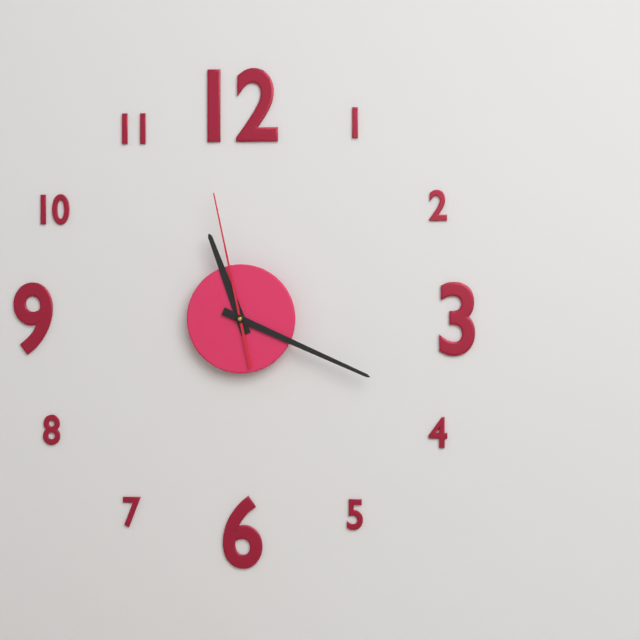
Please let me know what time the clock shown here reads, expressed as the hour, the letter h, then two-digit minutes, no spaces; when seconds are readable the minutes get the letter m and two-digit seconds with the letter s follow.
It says 11h19m58s
